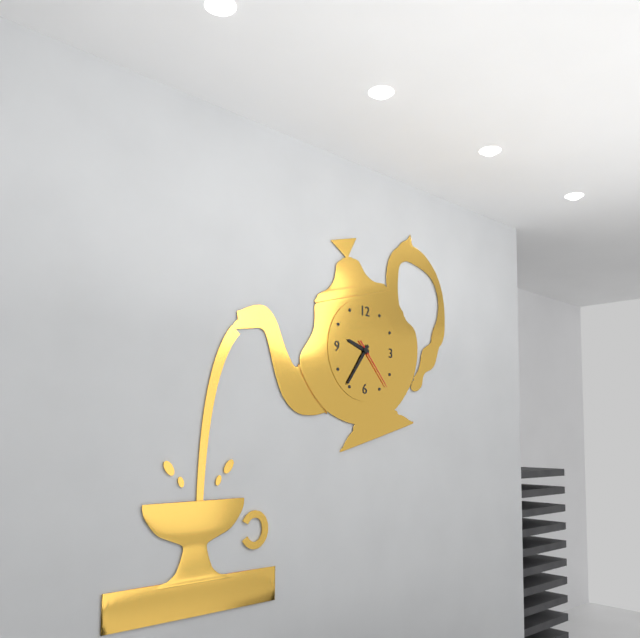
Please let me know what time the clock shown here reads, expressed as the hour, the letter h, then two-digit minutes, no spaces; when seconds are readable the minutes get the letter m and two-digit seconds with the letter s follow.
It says 9h36m23s
